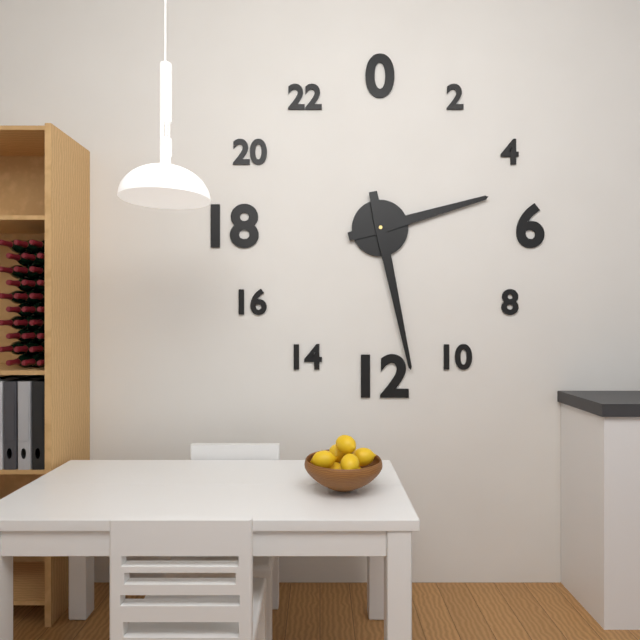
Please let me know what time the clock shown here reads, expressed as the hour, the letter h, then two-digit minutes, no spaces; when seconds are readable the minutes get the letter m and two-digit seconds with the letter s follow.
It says 2h28
